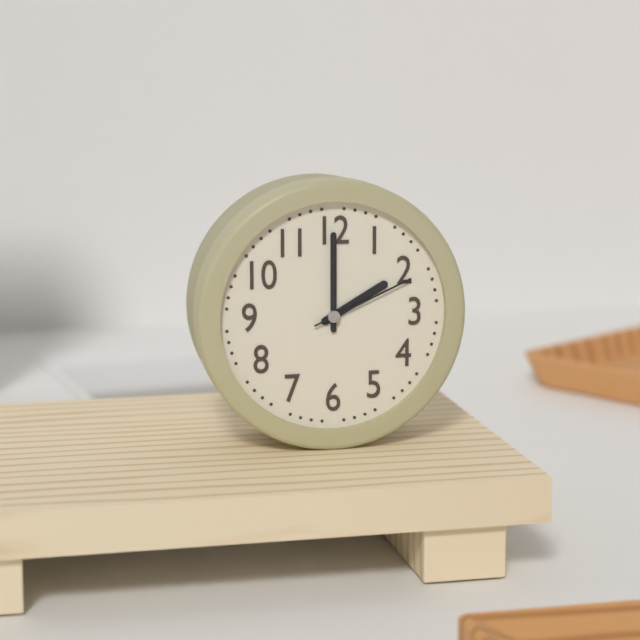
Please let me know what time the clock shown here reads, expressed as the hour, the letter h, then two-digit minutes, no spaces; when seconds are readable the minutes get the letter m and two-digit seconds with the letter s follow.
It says 2h00m11s
